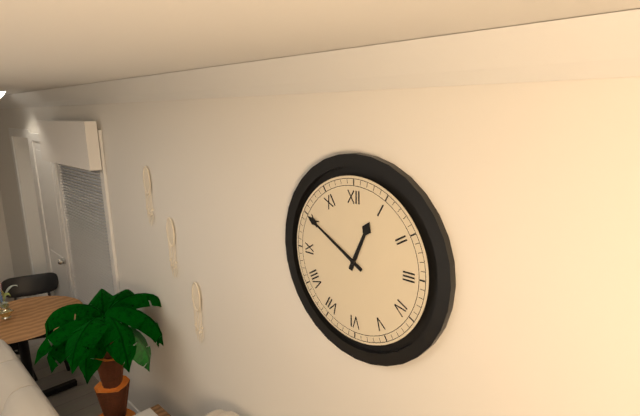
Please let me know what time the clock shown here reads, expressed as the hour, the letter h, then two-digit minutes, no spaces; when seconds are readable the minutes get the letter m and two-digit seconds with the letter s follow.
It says 12h50
